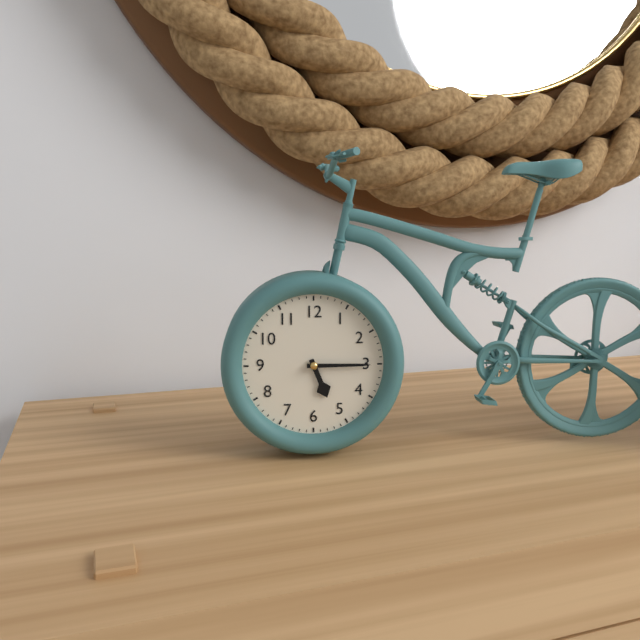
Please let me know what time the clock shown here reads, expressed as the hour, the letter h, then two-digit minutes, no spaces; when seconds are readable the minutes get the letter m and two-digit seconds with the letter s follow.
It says 5h15
